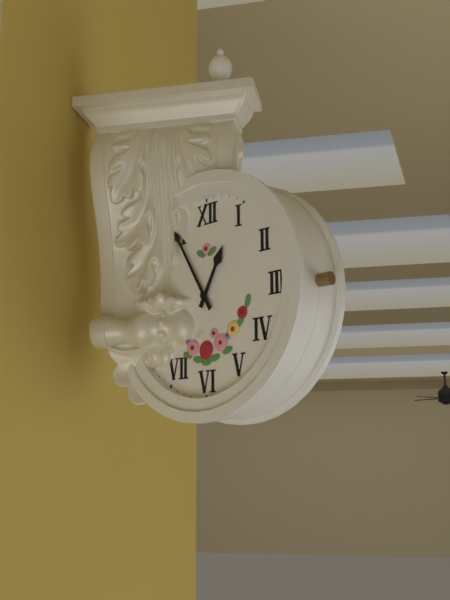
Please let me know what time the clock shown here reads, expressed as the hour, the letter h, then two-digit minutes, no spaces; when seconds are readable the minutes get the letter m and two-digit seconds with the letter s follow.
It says 12h55
